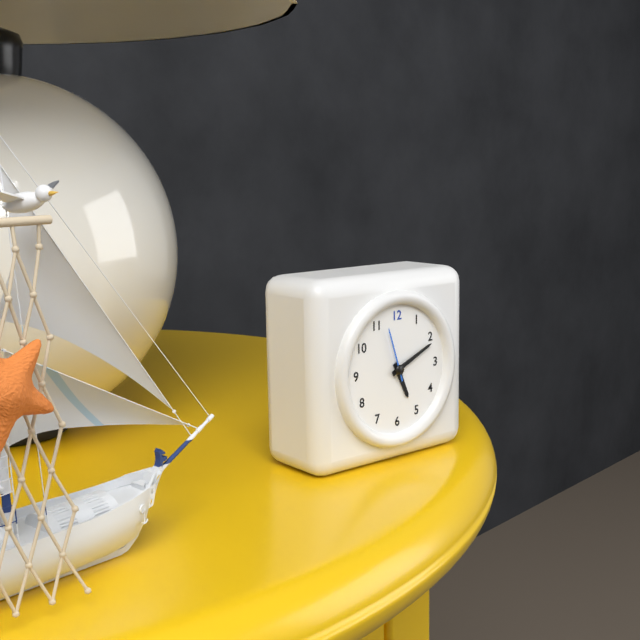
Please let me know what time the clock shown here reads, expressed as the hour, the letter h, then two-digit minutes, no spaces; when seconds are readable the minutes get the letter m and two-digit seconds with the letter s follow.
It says 5h11m57s
